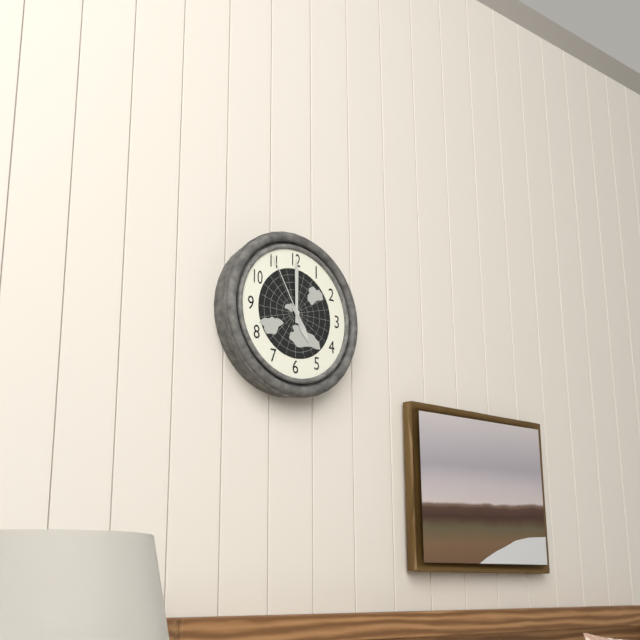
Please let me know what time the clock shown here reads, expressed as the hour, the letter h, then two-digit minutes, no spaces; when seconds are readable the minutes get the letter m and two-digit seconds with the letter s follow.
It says 5h00m55s
